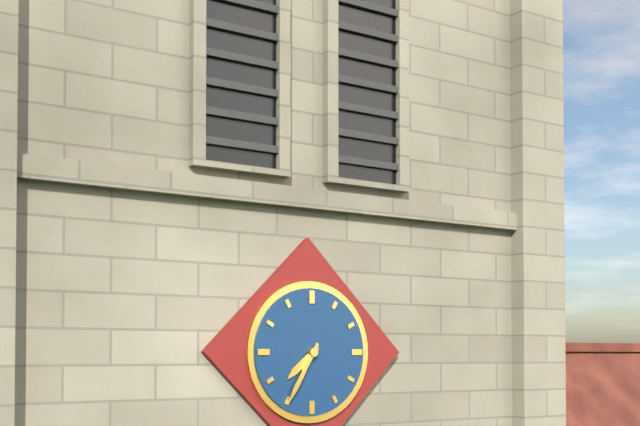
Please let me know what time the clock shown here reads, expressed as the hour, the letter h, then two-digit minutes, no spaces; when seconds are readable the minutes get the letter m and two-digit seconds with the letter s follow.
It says 7h35
